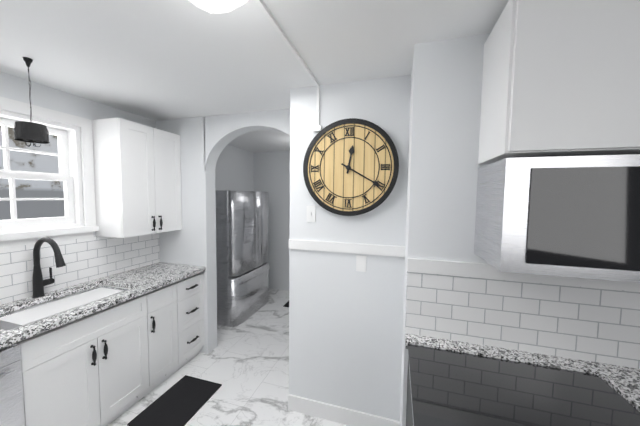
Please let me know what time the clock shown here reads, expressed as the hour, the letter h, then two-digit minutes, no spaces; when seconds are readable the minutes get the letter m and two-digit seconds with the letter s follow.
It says 12h20
